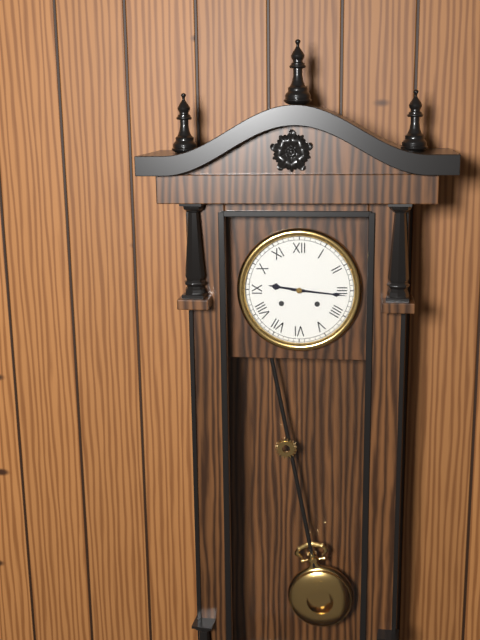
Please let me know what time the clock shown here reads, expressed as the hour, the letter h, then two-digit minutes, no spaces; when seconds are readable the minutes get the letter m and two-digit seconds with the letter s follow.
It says 9h16
